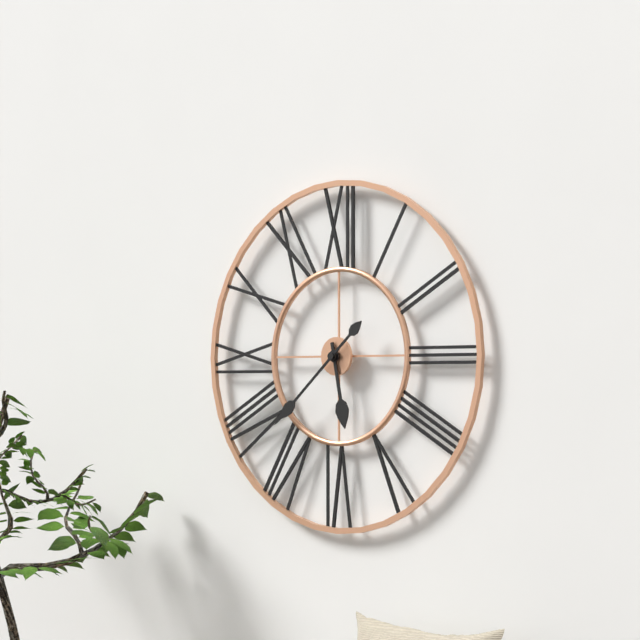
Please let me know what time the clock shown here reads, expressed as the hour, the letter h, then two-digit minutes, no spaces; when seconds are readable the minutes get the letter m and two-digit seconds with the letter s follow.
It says 5h38
